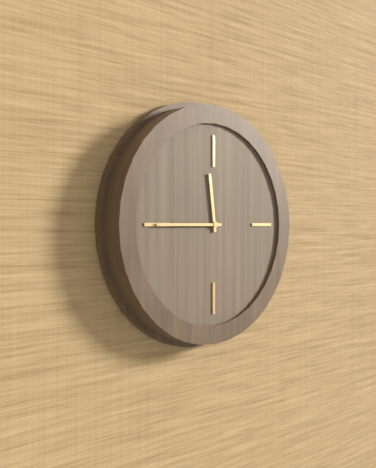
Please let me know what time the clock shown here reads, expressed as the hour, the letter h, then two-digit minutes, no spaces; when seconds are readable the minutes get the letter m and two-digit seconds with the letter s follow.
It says 11h45
